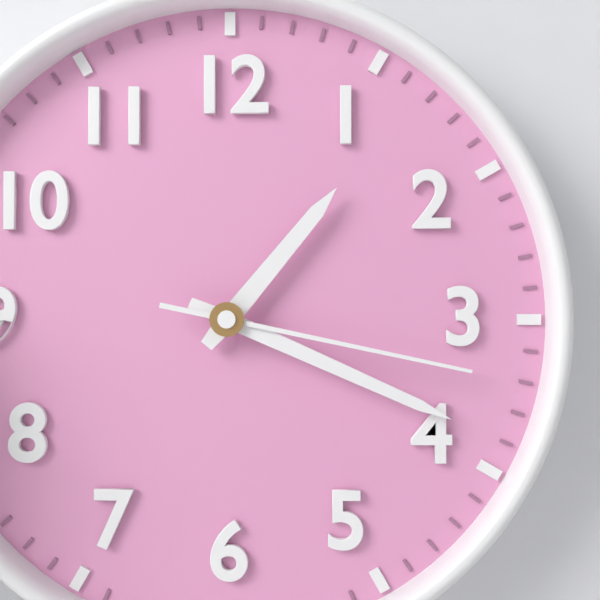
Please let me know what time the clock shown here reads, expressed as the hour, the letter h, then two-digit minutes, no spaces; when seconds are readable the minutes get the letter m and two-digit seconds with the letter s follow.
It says 1h19m17s
